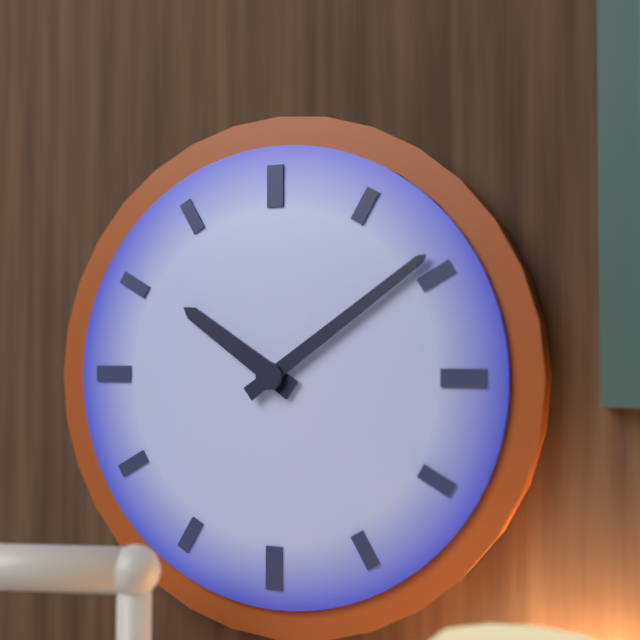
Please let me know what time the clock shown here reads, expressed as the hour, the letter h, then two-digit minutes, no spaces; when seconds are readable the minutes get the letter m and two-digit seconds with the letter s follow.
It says 10h09
